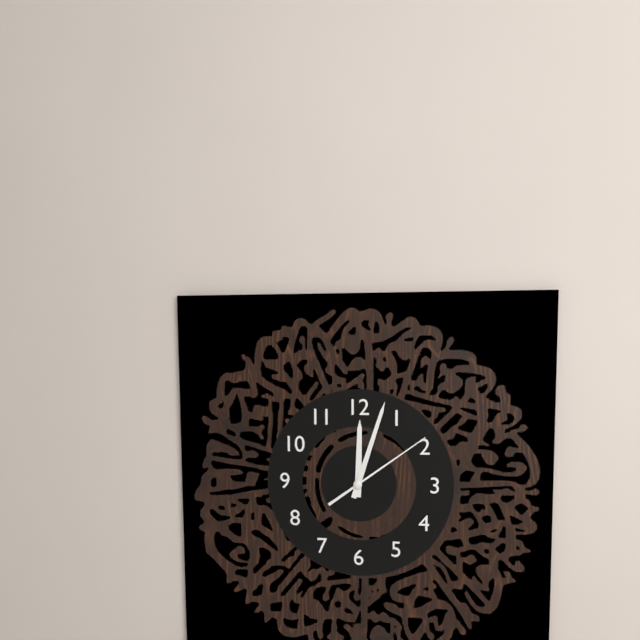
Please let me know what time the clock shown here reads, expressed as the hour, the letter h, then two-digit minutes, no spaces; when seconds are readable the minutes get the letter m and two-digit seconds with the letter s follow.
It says 12h03m09s
